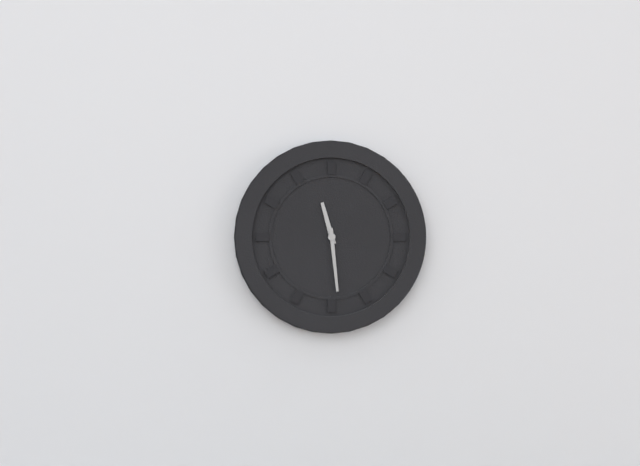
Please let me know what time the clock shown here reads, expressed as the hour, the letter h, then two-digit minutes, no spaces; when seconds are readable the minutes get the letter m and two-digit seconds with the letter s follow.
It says 11h29
